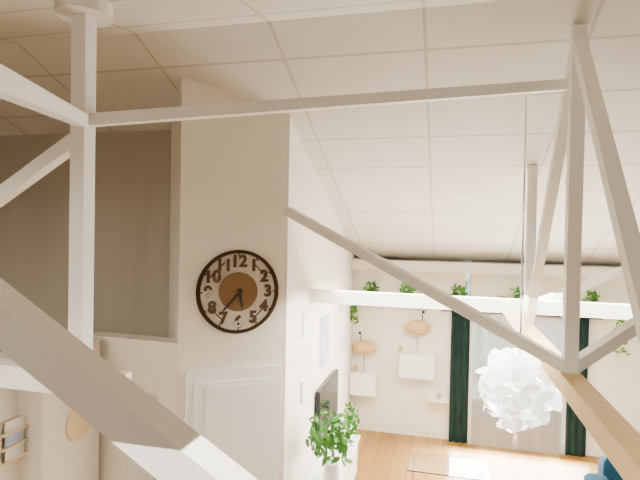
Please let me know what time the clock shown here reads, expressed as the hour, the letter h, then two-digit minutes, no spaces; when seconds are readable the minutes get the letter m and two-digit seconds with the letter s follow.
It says 5h37
